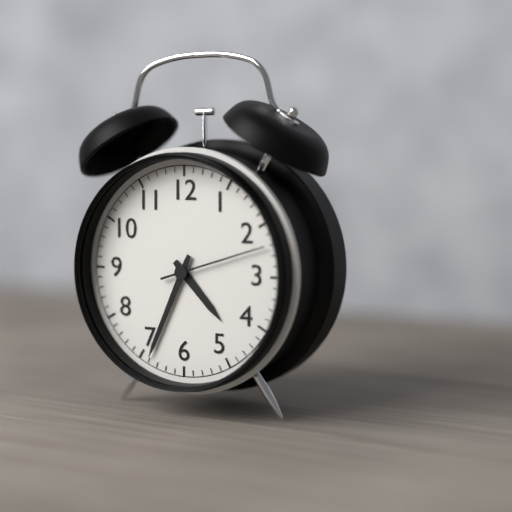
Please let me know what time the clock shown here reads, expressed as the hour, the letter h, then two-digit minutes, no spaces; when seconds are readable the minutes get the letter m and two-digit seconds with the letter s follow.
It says 4h34m12s
